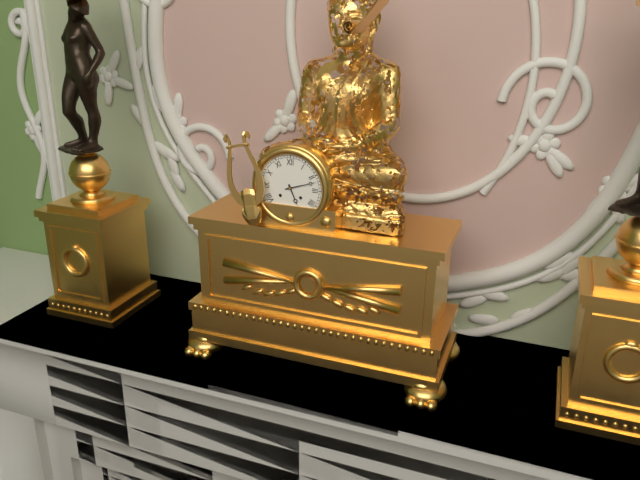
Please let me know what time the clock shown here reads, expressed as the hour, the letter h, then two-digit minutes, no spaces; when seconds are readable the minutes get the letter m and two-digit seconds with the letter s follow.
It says 5h12
